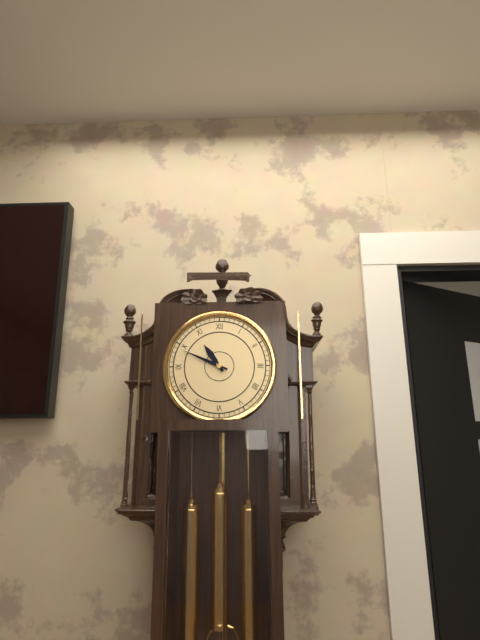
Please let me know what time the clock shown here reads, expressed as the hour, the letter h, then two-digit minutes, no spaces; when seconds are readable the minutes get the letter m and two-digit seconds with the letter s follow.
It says 10h49
